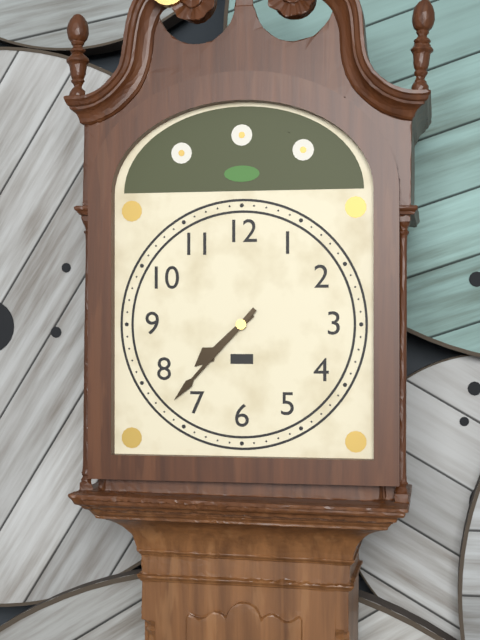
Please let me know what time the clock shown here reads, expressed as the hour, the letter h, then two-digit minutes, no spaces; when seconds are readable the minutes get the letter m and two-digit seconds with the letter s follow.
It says 7h37
